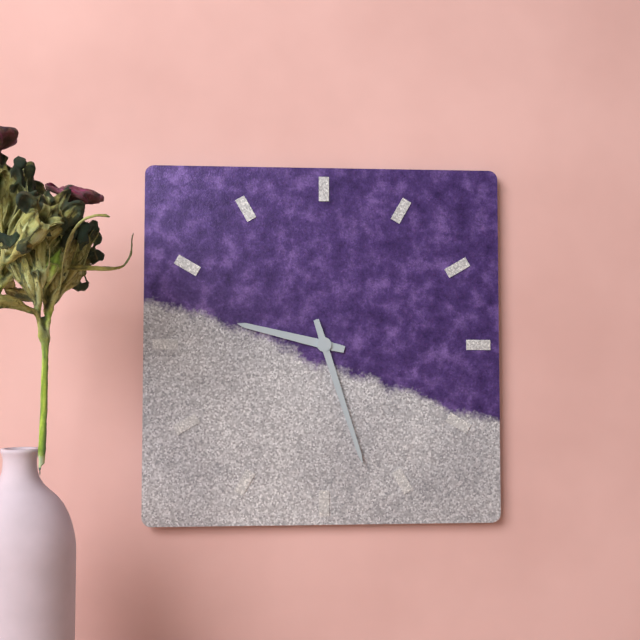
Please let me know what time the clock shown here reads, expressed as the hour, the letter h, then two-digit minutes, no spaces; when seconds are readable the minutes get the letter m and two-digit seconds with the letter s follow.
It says 9h27
